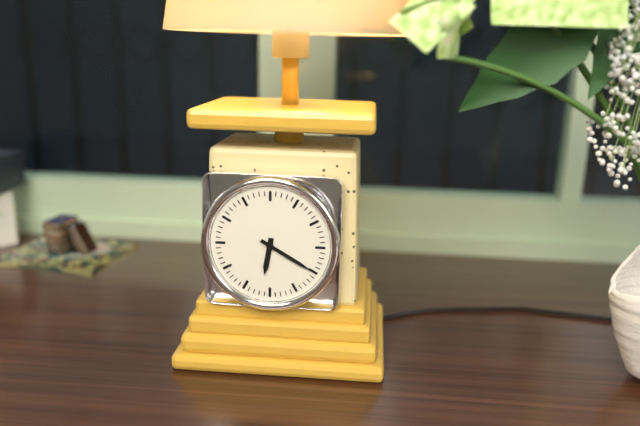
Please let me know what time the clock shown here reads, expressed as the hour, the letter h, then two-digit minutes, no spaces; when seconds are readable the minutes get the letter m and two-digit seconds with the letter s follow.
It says 6h20
